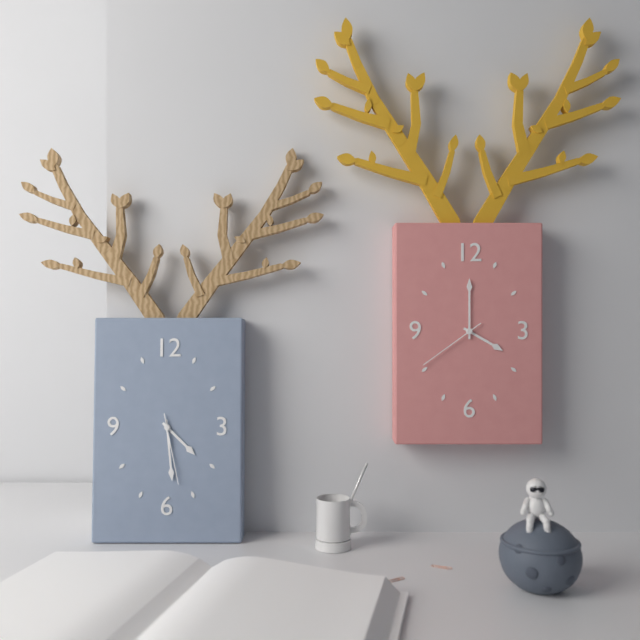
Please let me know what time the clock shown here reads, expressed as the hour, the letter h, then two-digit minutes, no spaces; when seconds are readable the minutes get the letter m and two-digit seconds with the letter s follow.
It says 4h29m28s
